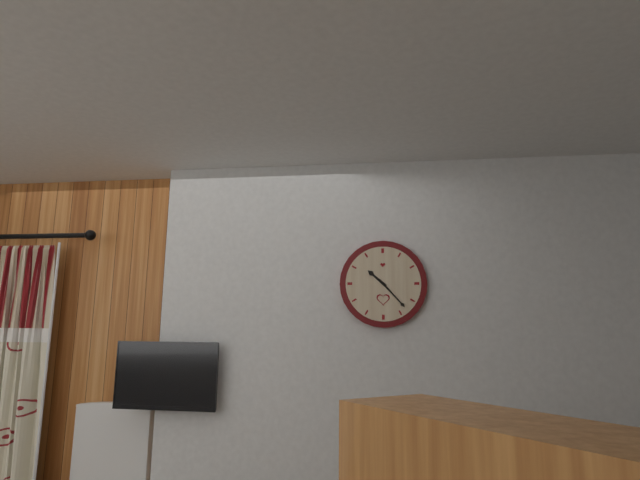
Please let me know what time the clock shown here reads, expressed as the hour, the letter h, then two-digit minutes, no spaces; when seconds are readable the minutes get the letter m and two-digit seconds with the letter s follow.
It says 10h23
